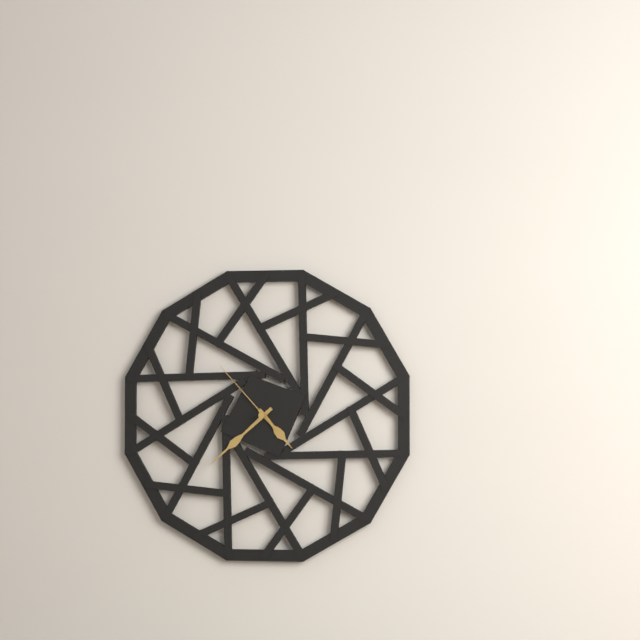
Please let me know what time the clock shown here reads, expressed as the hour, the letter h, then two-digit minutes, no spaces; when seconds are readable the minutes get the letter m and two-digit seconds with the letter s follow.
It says 4h38m53s
